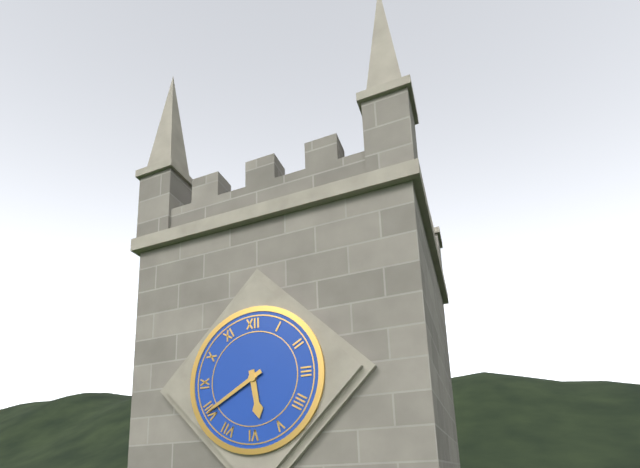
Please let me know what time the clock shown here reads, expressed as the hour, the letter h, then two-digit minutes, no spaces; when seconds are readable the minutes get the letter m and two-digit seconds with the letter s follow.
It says 5h40
